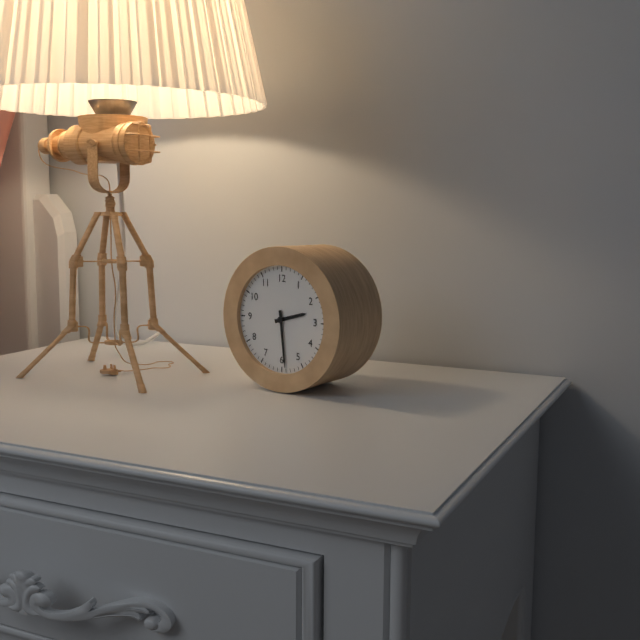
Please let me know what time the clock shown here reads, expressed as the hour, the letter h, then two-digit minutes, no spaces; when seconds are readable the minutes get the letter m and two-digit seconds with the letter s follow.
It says 2h29
